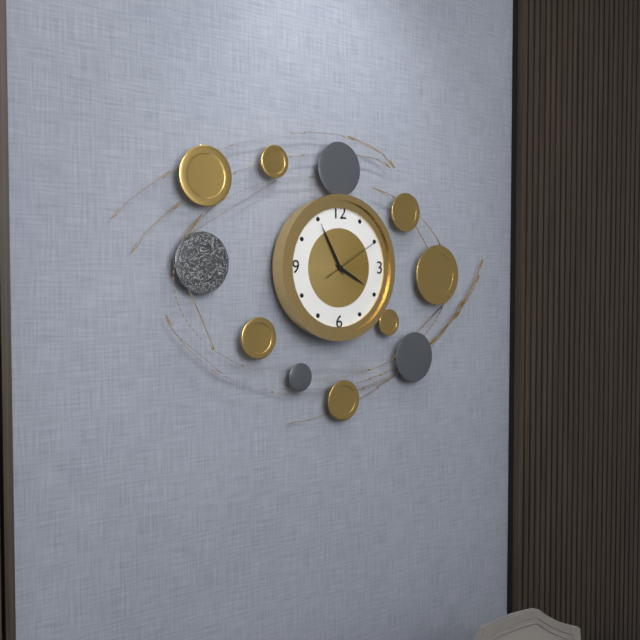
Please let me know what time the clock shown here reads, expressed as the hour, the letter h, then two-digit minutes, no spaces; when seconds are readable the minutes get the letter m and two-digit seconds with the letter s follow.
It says 3h55m10s
